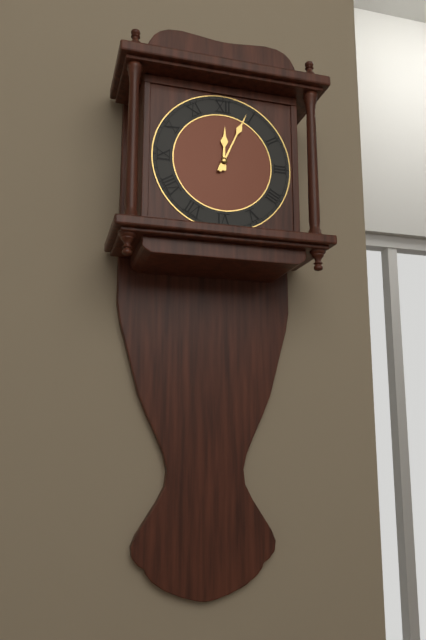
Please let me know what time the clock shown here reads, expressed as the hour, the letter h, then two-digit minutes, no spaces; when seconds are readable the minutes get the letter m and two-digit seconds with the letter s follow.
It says 12h04
